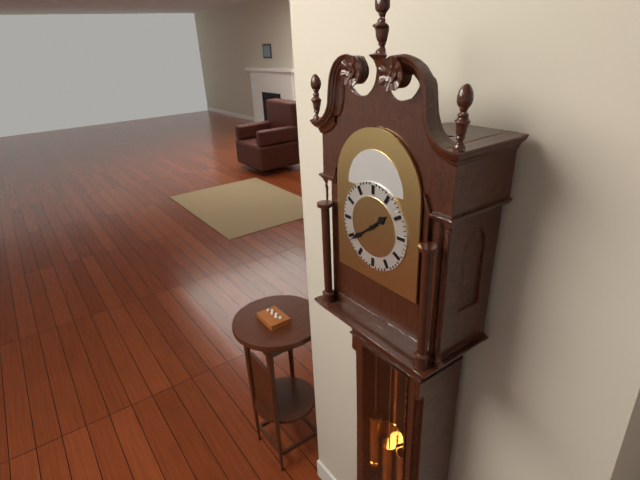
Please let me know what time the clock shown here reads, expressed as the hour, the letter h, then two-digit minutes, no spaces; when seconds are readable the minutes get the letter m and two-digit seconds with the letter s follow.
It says 1h39
